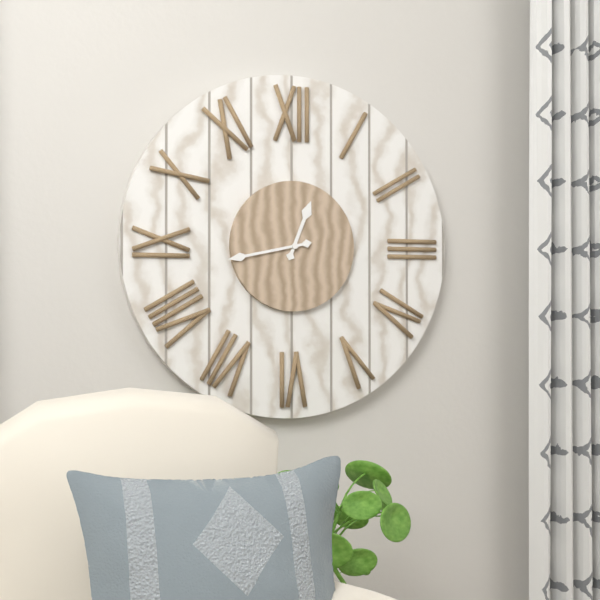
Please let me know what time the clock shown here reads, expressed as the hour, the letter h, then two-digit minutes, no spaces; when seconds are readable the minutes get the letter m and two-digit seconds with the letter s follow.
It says 12h43
